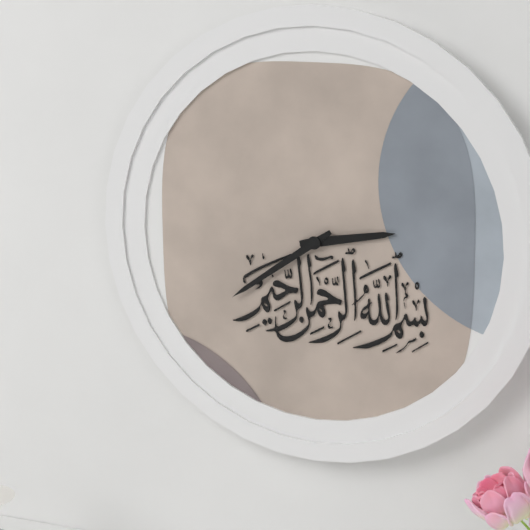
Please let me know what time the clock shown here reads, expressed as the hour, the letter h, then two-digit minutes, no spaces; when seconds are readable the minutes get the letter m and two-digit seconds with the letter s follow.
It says 2h39
